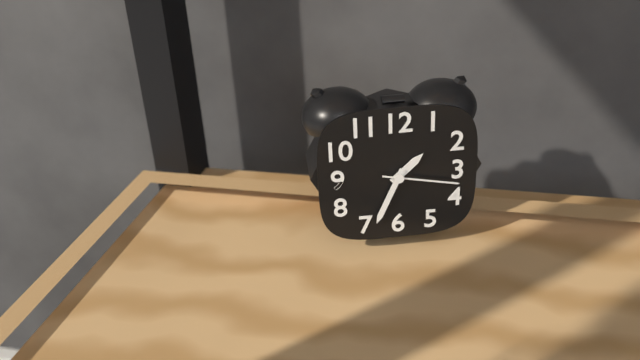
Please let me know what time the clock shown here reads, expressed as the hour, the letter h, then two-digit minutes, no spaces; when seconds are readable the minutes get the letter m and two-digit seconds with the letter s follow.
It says 1h34m17s
